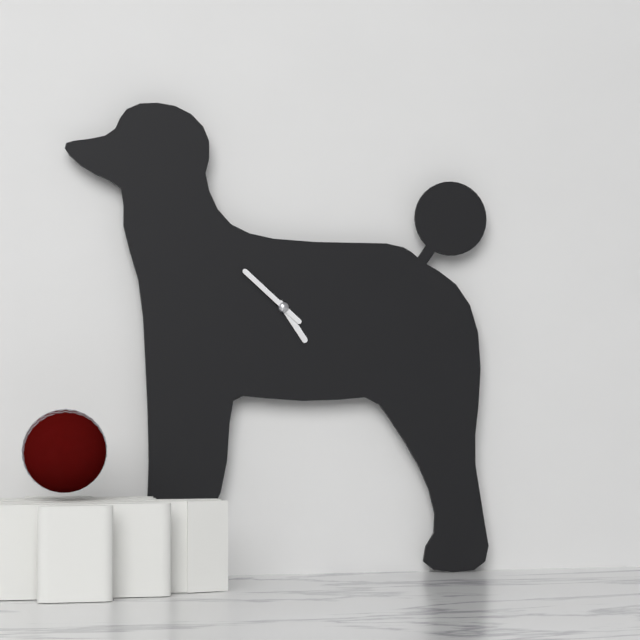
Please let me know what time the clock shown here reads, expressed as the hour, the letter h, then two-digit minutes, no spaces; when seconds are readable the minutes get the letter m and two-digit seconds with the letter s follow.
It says 4h52
